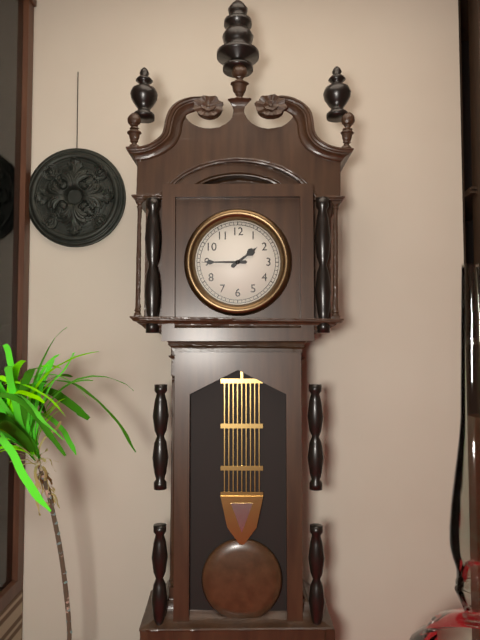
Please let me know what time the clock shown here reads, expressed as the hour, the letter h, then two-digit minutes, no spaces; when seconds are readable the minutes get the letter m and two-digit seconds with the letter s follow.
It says 1h45
